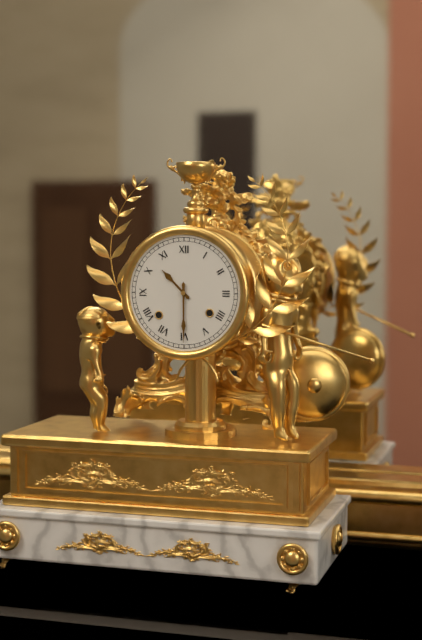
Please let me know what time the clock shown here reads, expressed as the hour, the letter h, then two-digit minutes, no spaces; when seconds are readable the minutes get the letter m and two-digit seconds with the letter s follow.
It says 10h30
